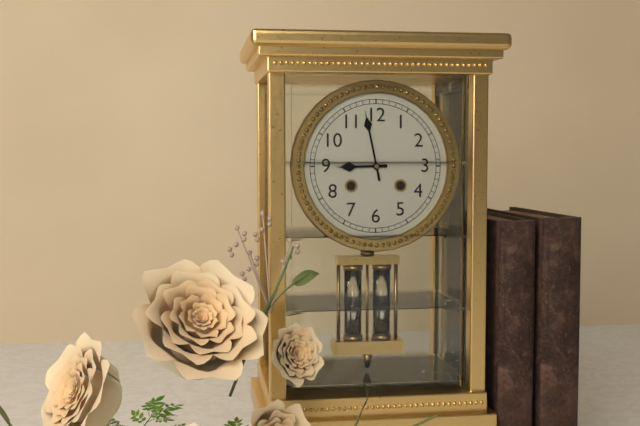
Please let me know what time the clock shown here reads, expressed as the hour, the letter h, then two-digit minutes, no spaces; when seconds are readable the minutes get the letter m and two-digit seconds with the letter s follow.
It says 8h58
